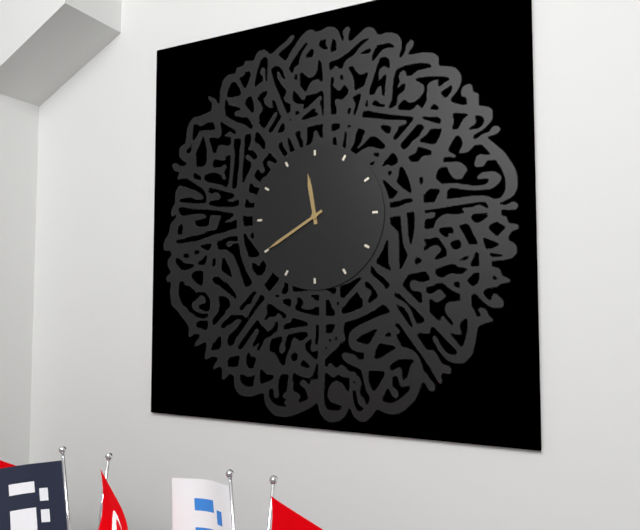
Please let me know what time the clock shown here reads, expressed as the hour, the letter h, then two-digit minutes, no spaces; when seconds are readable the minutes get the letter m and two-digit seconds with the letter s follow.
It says 11h40
